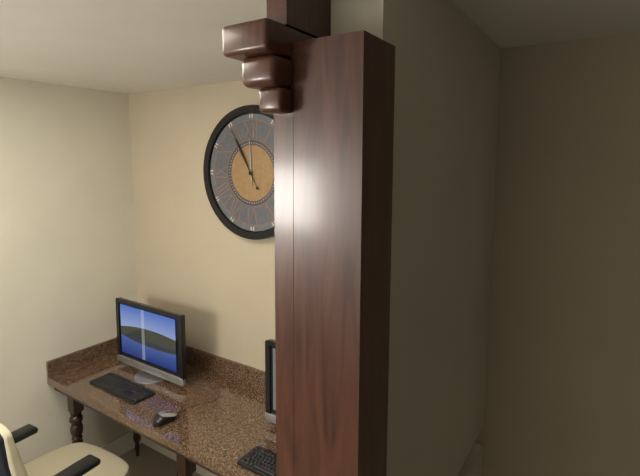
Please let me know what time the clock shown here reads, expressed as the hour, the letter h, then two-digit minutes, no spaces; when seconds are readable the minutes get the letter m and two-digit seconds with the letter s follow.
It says 11h55
